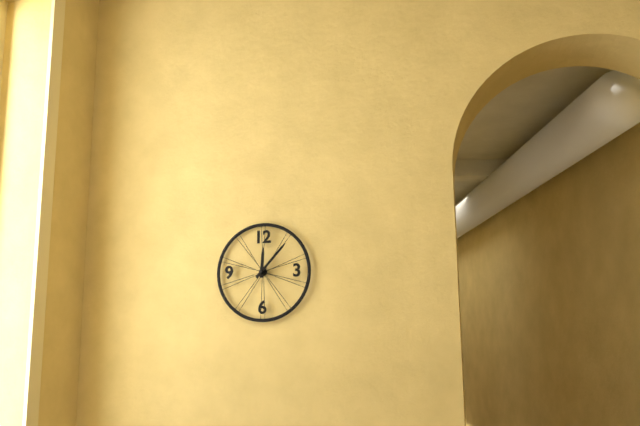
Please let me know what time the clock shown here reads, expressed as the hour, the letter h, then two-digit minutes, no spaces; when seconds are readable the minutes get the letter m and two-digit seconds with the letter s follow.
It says 12h07
